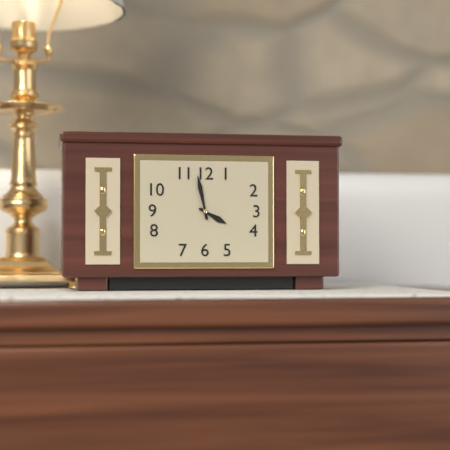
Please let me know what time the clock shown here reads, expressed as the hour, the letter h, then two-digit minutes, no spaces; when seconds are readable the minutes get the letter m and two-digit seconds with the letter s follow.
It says 3h58
